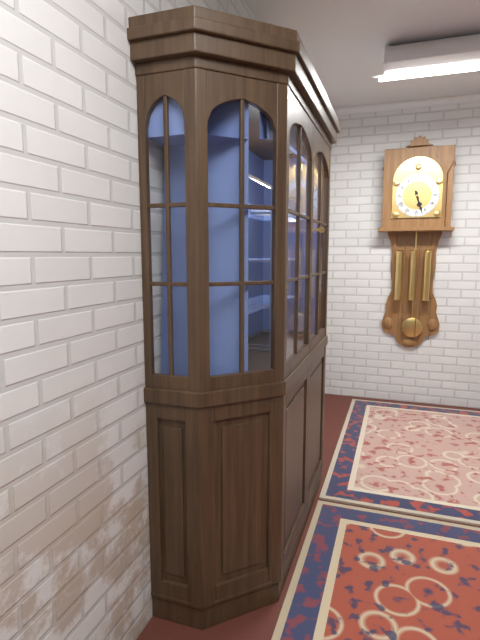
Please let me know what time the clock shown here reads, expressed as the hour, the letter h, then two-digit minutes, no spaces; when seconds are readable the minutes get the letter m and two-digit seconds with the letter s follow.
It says 5h27
